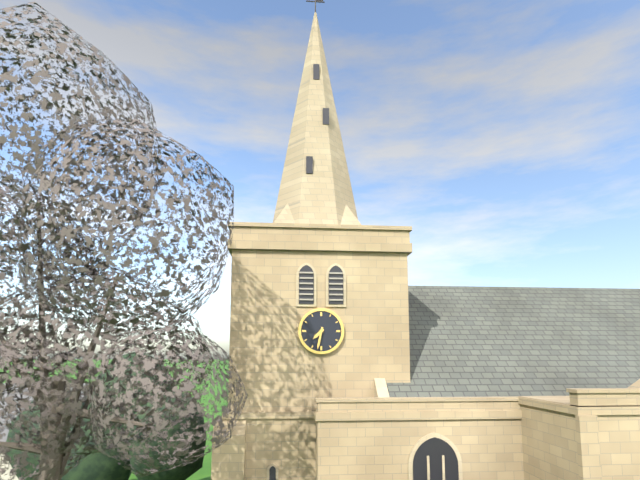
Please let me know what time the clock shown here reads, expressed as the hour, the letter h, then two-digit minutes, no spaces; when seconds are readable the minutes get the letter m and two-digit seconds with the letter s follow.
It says 7h32
